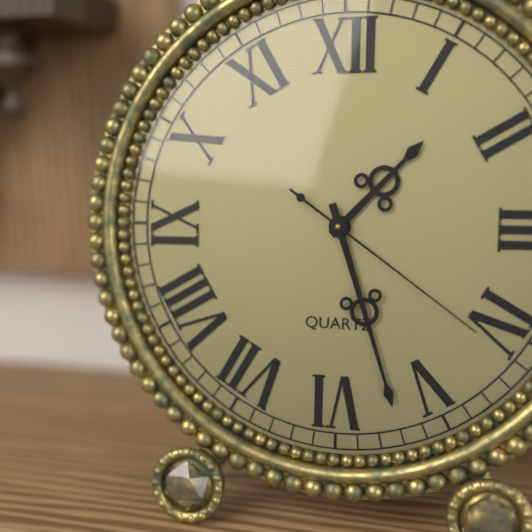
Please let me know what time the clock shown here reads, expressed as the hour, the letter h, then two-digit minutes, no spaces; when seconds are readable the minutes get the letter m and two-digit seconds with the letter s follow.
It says 1h27m21s
